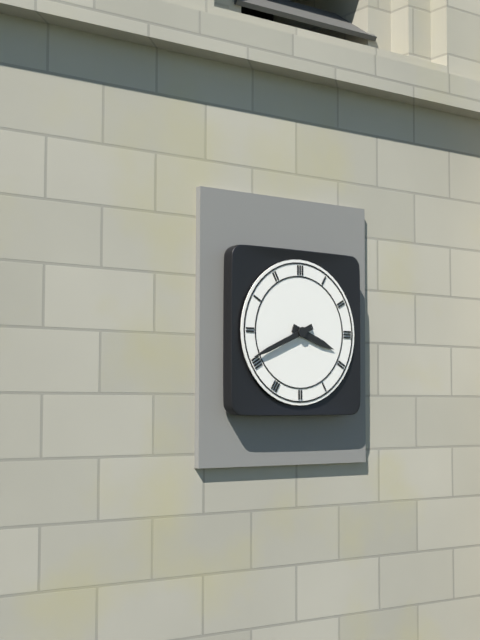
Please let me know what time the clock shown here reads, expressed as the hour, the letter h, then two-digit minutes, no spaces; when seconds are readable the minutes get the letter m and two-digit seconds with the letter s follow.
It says 3h41
